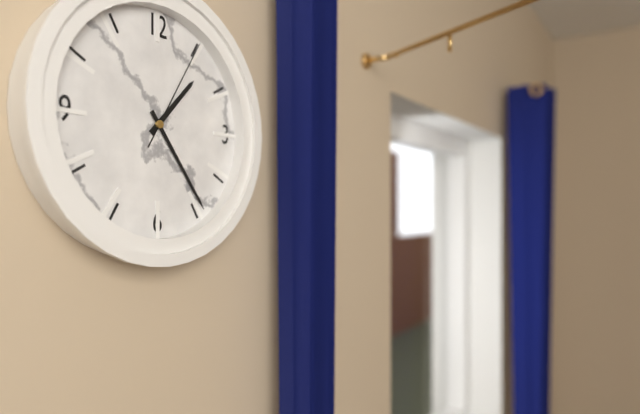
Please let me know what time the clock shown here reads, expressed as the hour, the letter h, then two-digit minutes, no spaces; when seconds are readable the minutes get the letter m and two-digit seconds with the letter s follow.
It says 1h24m05s
